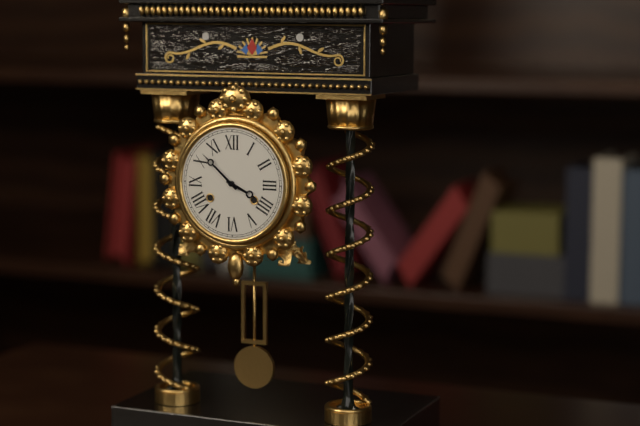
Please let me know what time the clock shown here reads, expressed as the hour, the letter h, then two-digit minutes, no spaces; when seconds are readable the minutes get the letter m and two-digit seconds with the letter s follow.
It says 3h52
